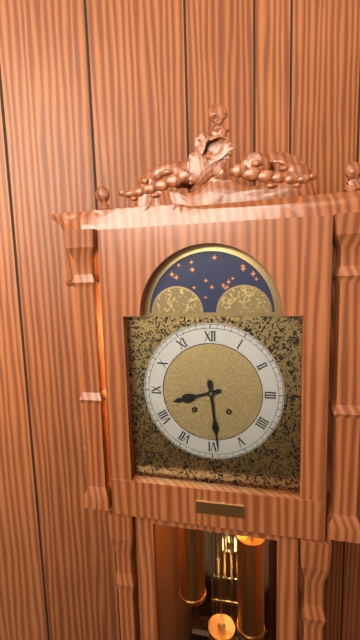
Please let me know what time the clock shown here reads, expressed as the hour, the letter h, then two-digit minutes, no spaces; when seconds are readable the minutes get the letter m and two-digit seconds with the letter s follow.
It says 8h29
